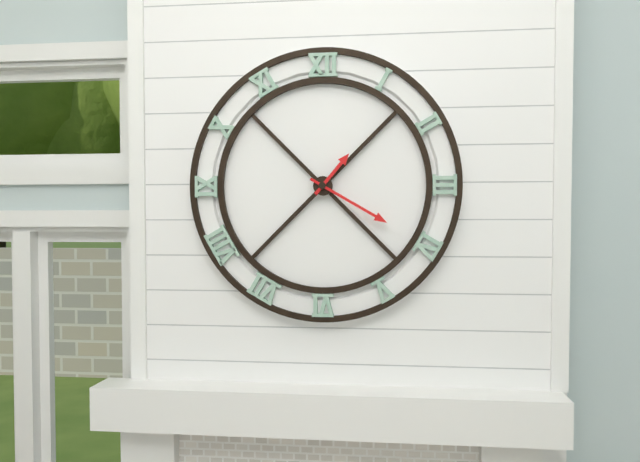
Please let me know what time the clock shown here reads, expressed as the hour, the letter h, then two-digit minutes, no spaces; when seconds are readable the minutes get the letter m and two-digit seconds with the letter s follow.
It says 1h20
